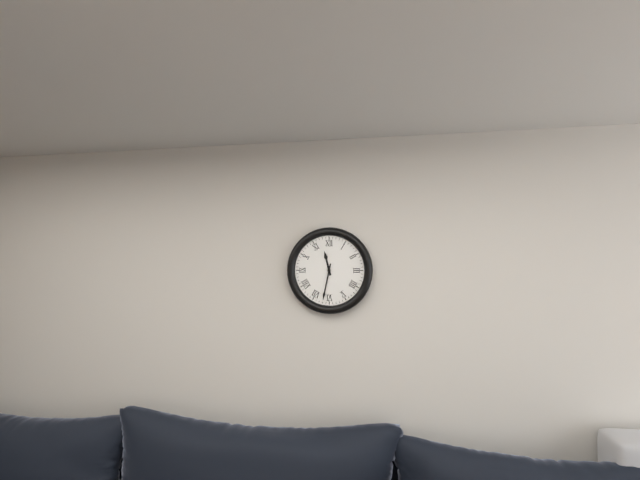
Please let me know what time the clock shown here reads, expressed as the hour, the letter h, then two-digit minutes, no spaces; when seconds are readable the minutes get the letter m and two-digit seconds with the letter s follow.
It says 11h32
